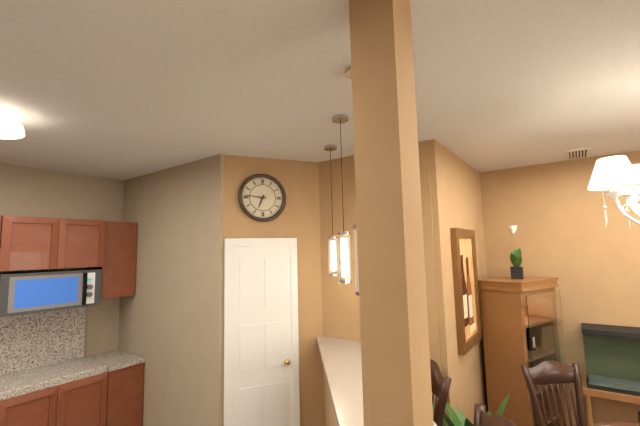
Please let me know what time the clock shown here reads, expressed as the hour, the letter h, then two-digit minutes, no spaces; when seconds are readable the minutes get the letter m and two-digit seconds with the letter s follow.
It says 6h46
